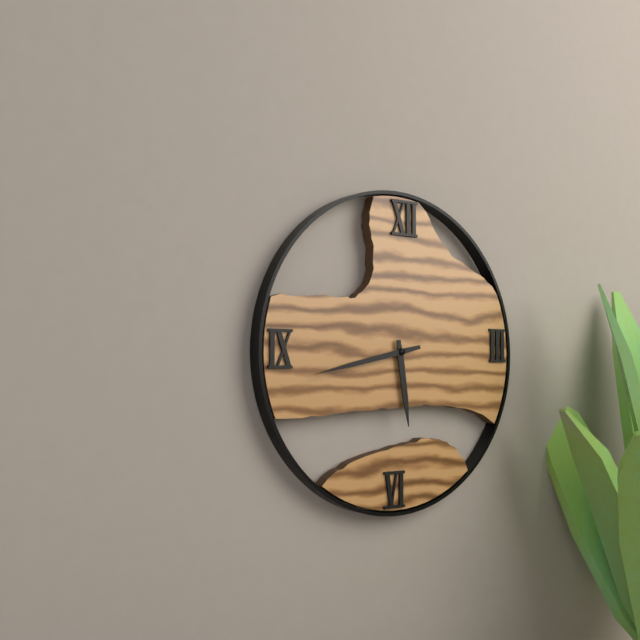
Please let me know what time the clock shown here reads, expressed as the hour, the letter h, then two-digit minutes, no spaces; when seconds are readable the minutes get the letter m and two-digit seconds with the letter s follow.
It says 5h43
